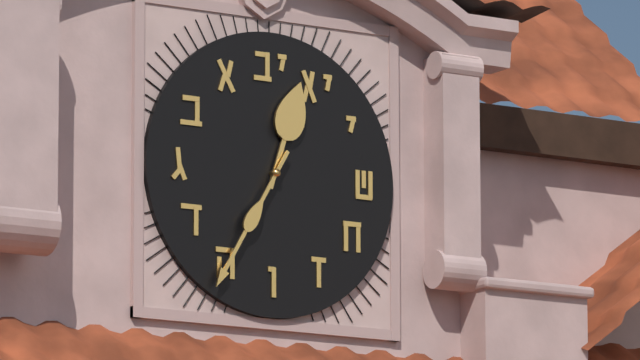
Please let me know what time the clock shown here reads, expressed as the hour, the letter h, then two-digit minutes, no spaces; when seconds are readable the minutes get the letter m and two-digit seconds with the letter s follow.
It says 12h35
